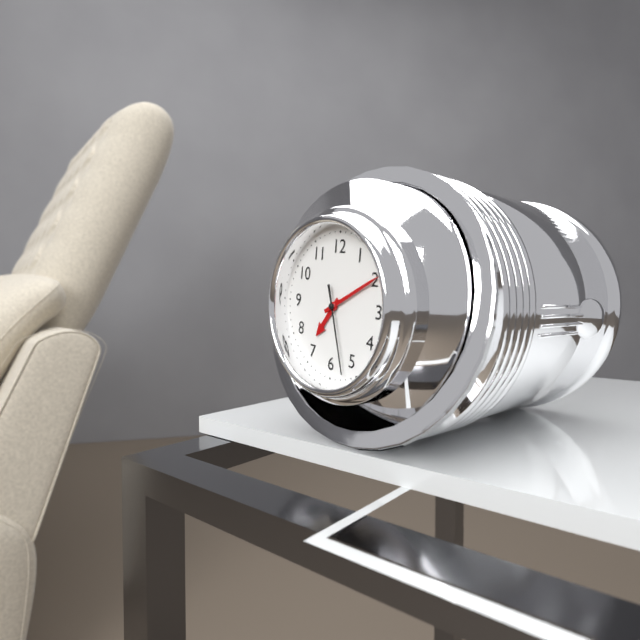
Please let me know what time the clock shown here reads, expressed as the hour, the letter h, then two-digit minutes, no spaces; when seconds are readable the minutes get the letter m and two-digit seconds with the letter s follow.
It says 7h10m27s
